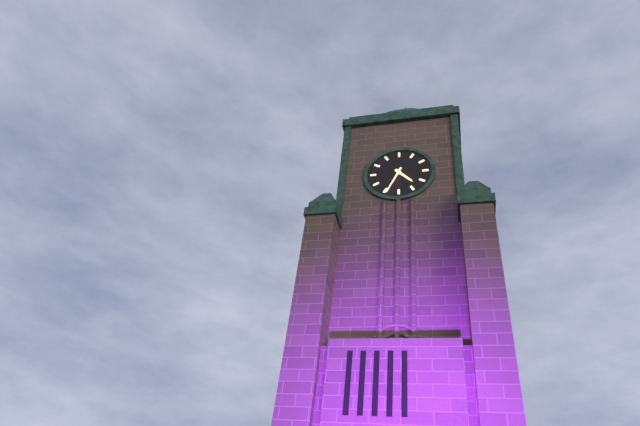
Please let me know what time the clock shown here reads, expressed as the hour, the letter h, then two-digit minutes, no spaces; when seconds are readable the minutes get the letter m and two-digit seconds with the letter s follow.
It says 4h34
